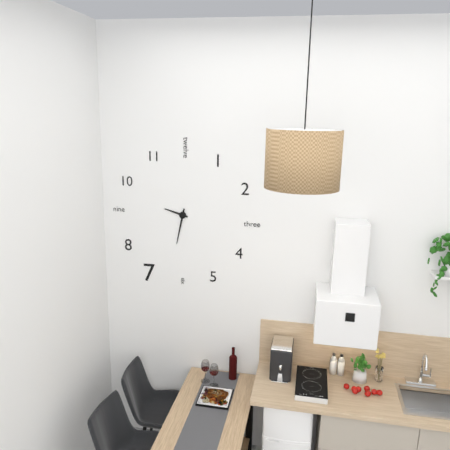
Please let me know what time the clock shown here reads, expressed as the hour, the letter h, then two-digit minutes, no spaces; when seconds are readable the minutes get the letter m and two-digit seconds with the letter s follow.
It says 9h32
